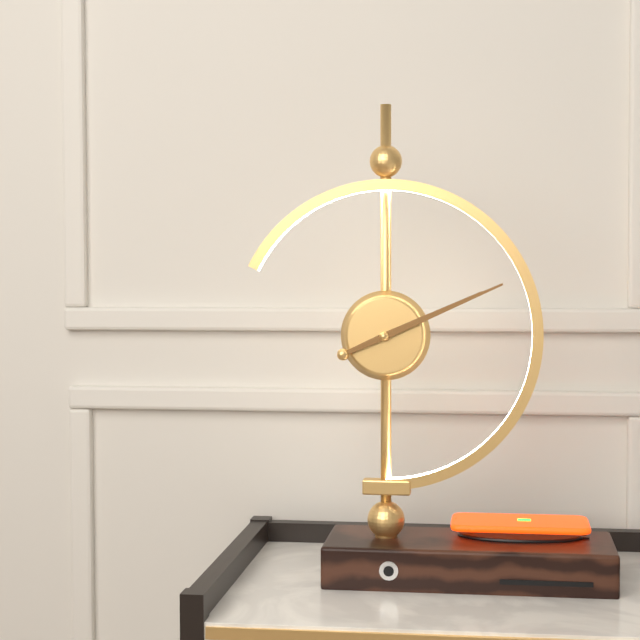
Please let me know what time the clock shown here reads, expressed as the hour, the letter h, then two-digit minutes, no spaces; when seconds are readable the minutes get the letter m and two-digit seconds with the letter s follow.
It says 2h11
